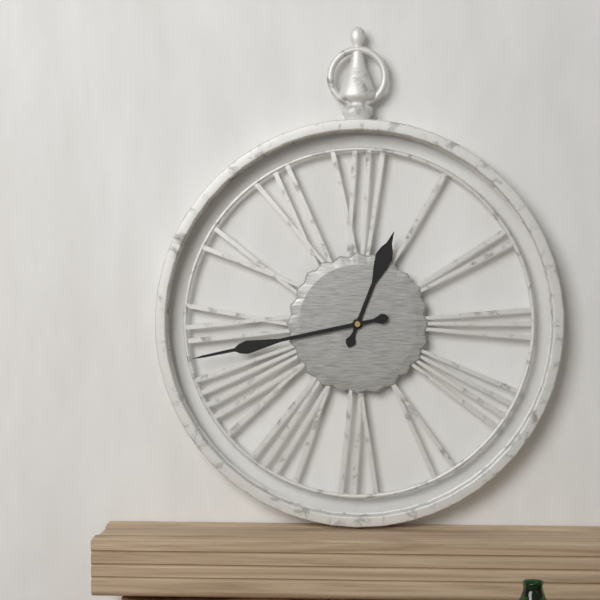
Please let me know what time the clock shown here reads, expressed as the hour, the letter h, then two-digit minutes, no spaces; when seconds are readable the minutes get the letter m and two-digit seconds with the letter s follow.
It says 12h43
